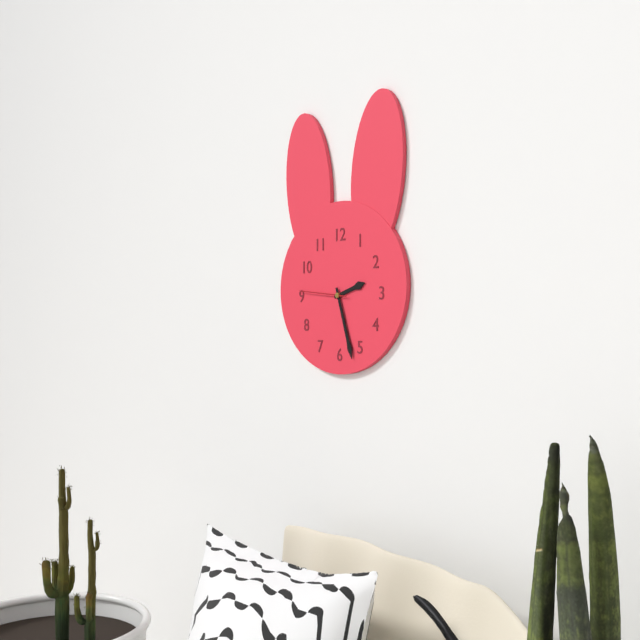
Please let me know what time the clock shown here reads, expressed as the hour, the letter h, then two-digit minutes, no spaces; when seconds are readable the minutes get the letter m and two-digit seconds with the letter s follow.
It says 2h27
